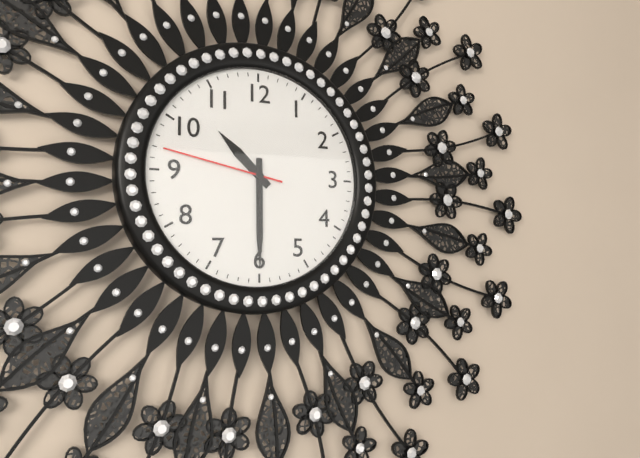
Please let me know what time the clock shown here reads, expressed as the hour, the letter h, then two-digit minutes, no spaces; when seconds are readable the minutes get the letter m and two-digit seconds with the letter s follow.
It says 10h30m47s
